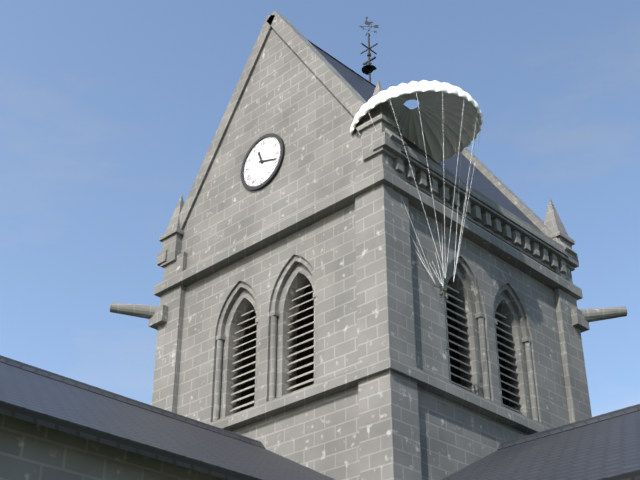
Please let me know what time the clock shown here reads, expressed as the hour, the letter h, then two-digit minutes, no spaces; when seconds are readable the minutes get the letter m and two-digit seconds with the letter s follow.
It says 11h18
